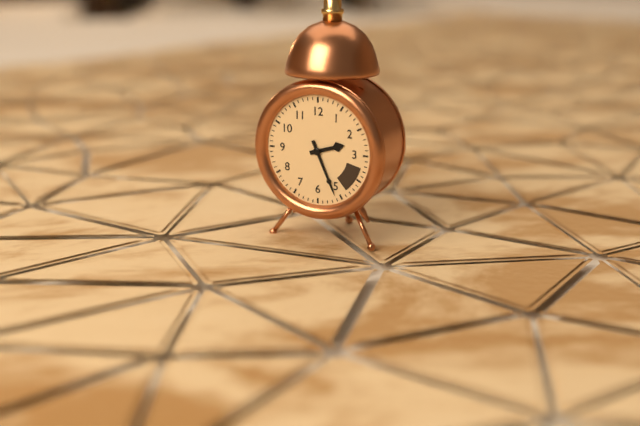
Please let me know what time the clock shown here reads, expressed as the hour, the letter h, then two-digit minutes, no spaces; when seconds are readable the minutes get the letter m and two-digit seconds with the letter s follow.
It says 2h26
